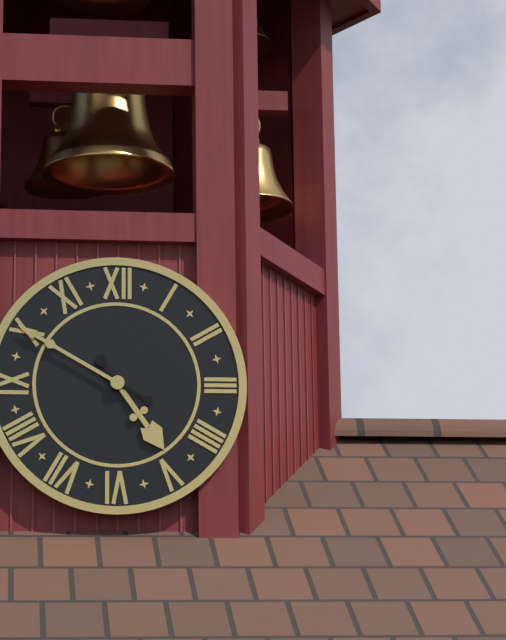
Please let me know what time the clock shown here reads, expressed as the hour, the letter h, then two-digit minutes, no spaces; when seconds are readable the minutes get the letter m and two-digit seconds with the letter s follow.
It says 4h50
